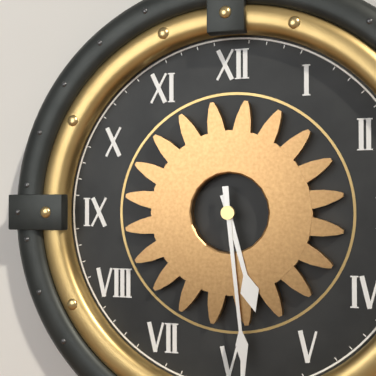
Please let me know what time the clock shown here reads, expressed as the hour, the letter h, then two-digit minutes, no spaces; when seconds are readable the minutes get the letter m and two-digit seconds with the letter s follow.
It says 5h29
